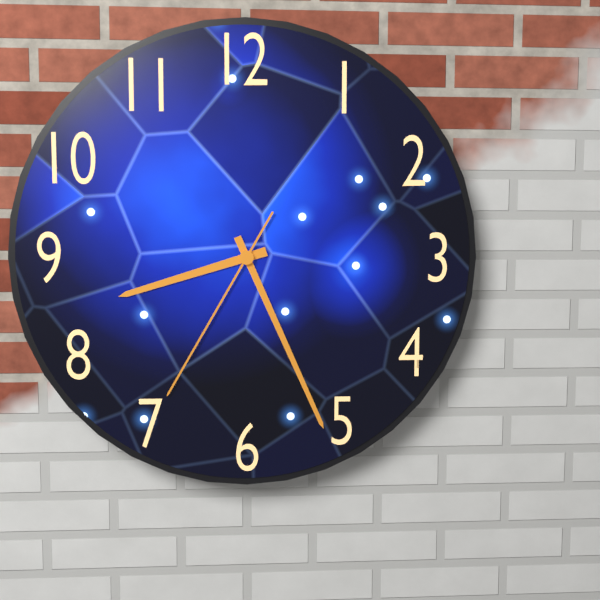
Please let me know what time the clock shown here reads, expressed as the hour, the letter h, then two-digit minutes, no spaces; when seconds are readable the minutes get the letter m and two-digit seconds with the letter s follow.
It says 8h26m35s
